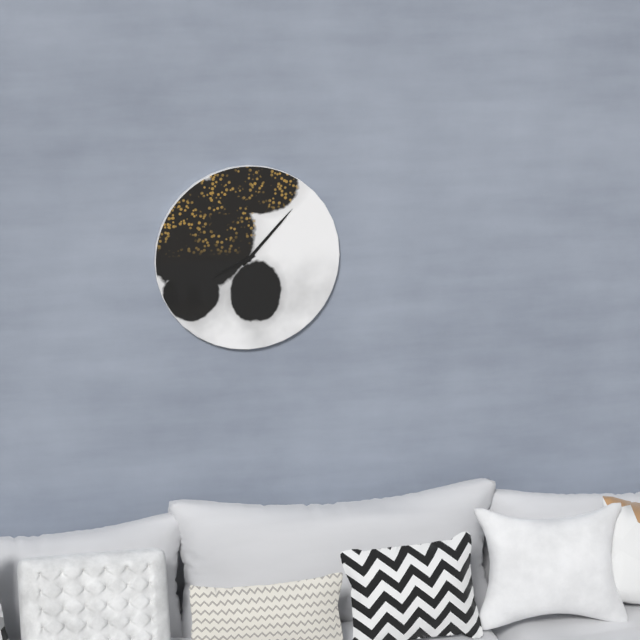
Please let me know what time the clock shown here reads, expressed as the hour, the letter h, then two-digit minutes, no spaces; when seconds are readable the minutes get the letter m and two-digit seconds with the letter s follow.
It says 8h07
